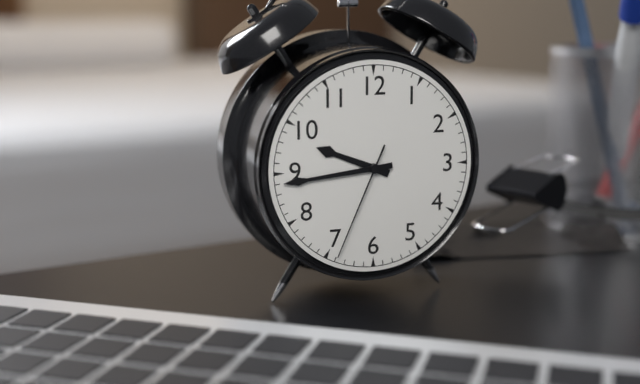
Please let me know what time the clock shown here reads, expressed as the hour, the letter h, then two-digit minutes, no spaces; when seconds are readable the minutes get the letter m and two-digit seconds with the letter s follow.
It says 9h44m34s
